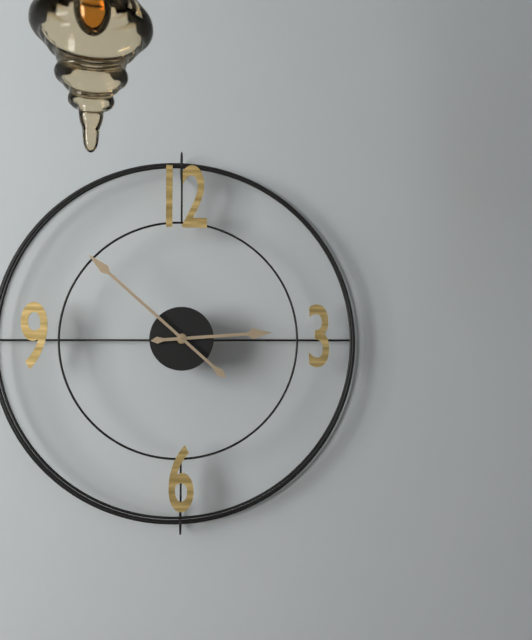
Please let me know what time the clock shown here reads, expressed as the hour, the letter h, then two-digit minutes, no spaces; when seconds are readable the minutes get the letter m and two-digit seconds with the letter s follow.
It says 2h52
